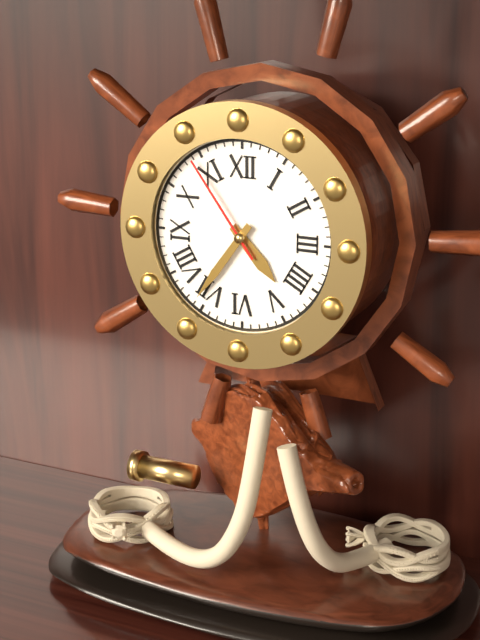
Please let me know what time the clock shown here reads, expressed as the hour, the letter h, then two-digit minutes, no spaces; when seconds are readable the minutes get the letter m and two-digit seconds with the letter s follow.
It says 4h36m54s
